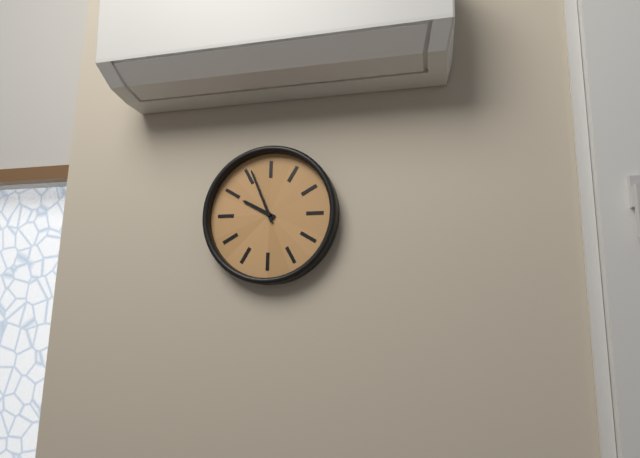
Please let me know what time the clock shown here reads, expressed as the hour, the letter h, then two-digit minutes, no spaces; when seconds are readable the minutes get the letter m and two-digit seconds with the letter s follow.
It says 9h56
